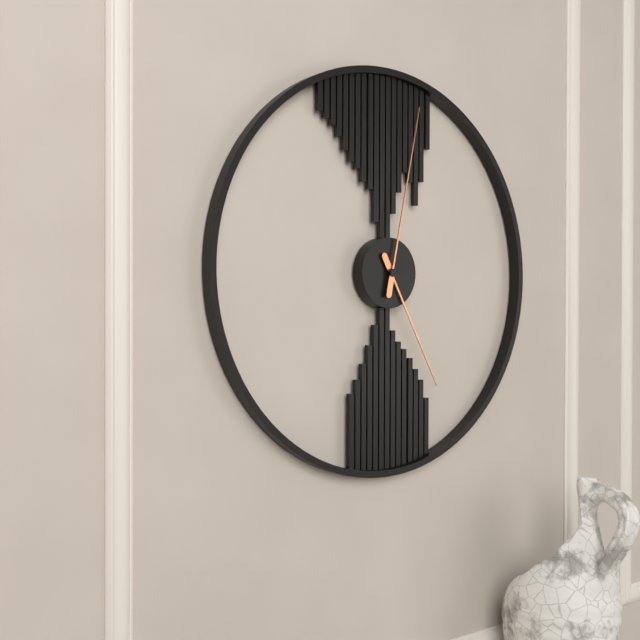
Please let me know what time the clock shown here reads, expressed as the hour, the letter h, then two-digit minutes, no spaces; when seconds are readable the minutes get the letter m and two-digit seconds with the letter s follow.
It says 5h02
